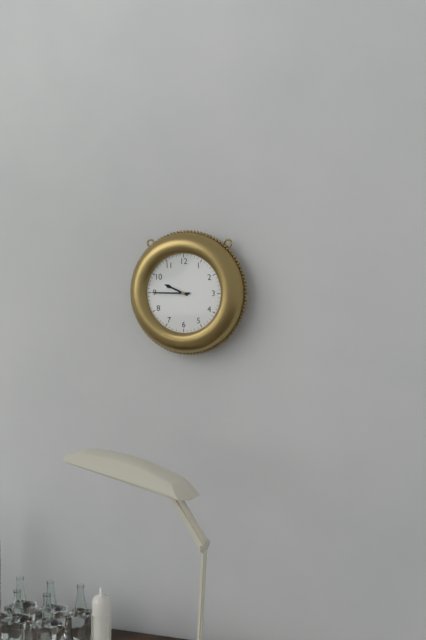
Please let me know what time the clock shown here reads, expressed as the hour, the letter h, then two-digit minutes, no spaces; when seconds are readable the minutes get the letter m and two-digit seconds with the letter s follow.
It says 9h45
